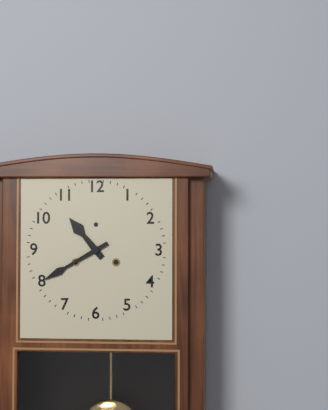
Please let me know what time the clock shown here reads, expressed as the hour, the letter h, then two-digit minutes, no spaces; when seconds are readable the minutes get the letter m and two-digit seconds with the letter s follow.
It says 10h40
